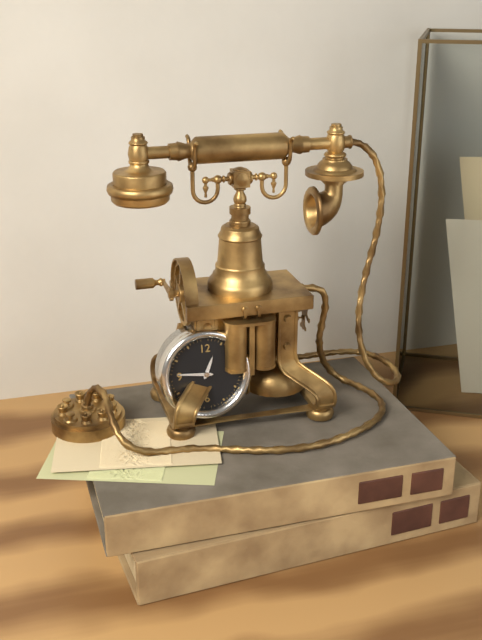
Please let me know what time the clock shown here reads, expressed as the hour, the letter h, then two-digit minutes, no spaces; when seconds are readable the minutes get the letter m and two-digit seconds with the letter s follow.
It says 12h46
